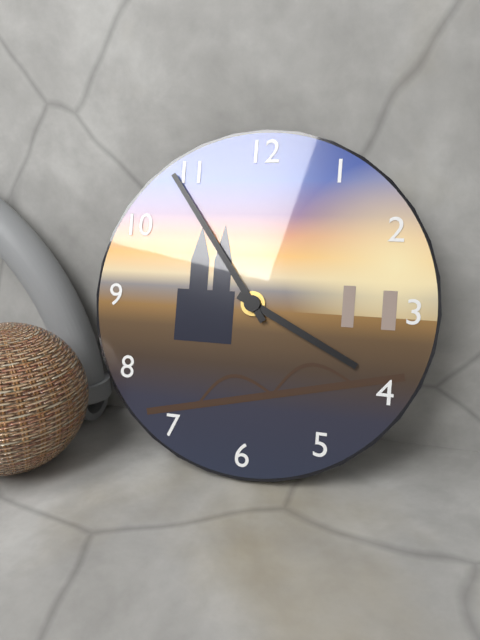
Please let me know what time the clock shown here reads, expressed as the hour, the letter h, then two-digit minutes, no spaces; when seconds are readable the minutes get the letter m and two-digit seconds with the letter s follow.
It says 3h54
